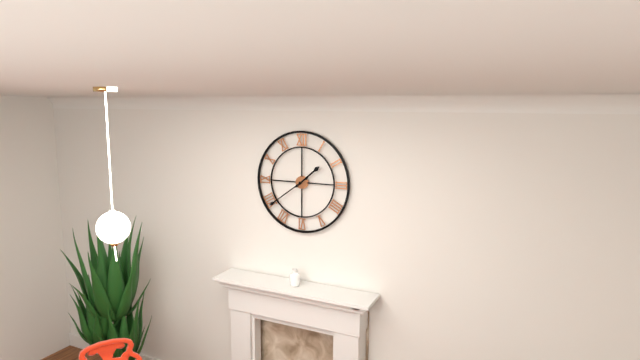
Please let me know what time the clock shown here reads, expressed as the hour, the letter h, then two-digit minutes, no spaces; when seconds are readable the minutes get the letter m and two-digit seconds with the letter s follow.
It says 1h39
